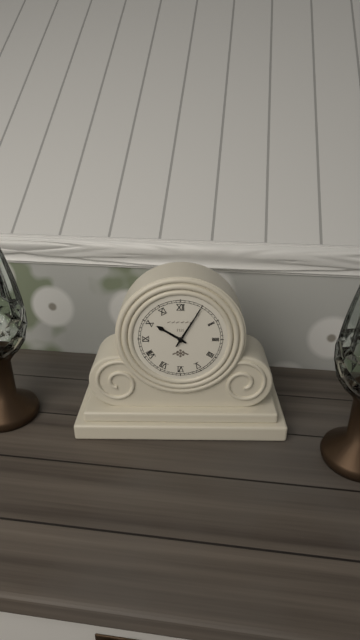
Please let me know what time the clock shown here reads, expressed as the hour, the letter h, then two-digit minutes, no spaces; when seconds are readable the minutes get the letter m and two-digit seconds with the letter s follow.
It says 10h05
